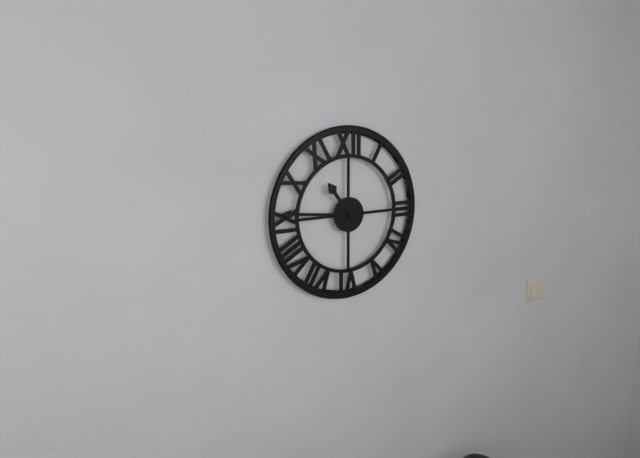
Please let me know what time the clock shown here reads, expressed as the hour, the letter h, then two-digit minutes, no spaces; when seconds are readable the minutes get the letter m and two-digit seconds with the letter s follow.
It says 10h46
